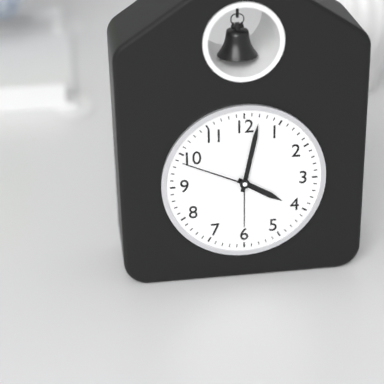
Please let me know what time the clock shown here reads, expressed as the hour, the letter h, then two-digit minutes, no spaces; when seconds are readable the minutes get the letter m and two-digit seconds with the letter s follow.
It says 4h02m49s
